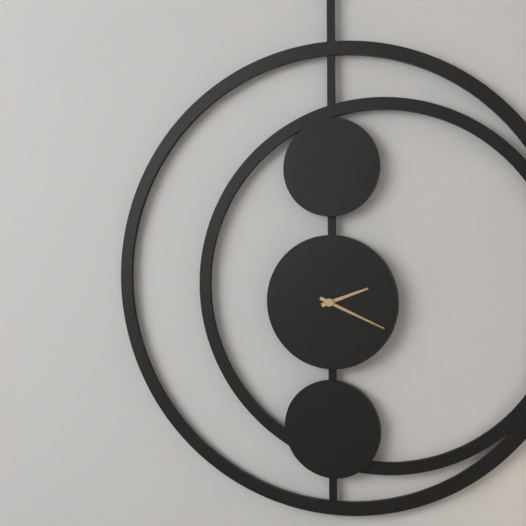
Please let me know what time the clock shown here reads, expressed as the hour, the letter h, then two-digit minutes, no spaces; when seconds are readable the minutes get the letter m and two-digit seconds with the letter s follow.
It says 2h19
